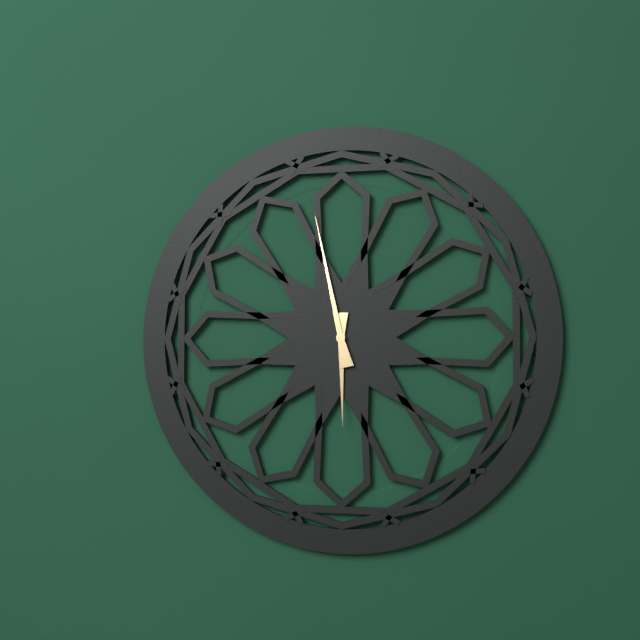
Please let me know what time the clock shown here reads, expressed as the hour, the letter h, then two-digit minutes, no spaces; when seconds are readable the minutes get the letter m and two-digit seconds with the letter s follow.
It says 5h58
